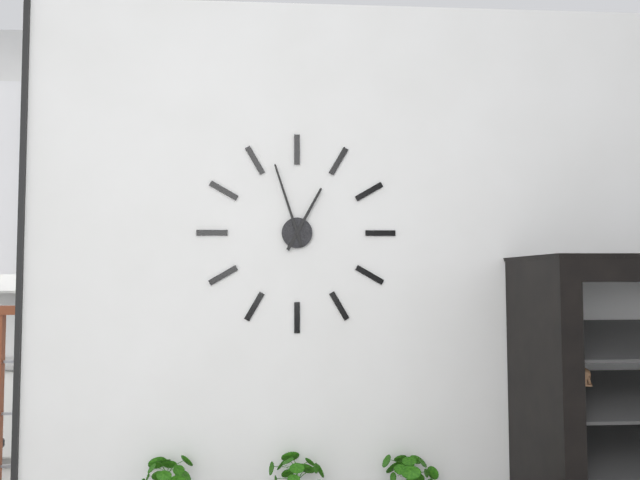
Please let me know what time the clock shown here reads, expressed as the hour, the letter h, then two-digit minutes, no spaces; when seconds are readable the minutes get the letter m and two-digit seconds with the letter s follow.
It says 12h57
